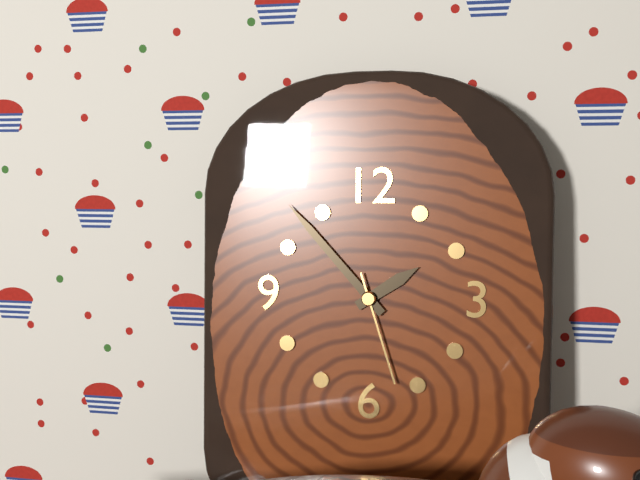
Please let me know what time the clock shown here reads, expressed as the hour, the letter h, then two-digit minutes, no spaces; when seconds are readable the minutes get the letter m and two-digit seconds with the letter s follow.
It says 1h53m27s
